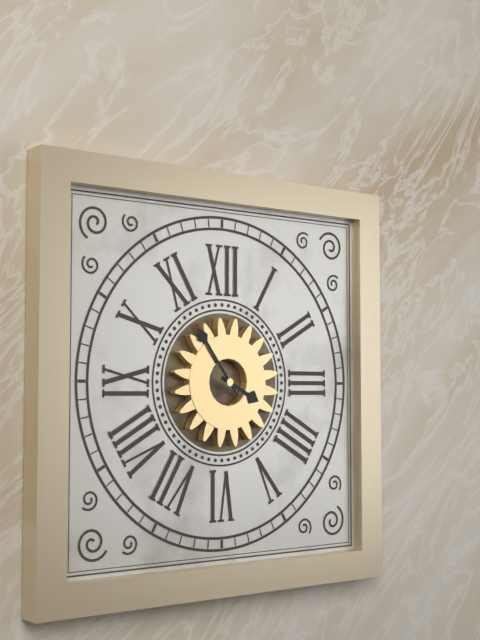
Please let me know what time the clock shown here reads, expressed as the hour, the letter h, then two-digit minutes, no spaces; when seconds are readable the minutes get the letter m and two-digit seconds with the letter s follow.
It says 3h54
